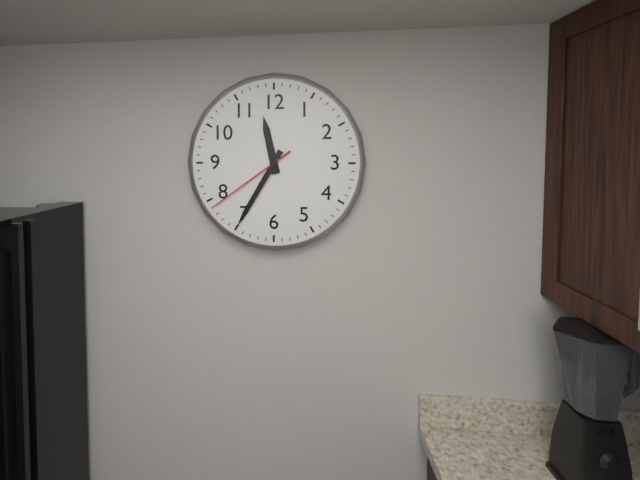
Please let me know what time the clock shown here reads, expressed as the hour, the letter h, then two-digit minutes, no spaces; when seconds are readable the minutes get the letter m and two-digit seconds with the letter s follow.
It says 11h35m39s
